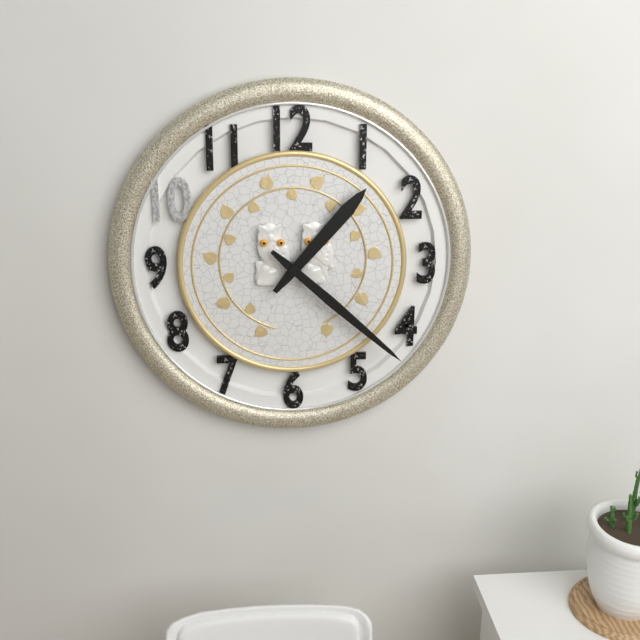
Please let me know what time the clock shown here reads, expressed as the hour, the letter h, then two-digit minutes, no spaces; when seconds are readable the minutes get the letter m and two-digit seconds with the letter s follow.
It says 1h22
